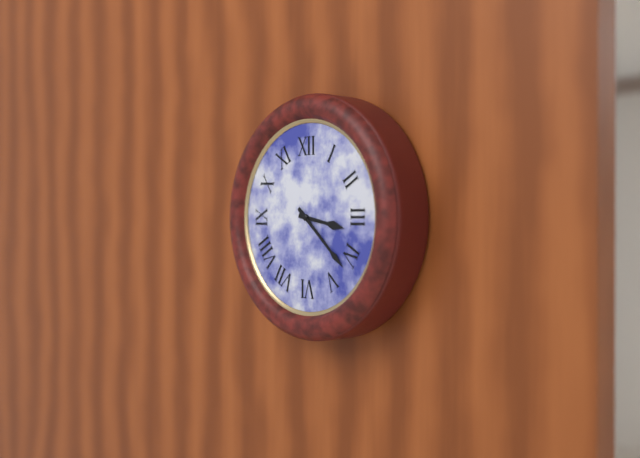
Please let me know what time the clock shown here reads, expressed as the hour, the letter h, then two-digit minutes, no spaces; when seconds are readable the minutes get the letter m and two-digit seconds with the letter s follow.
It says 3h22
